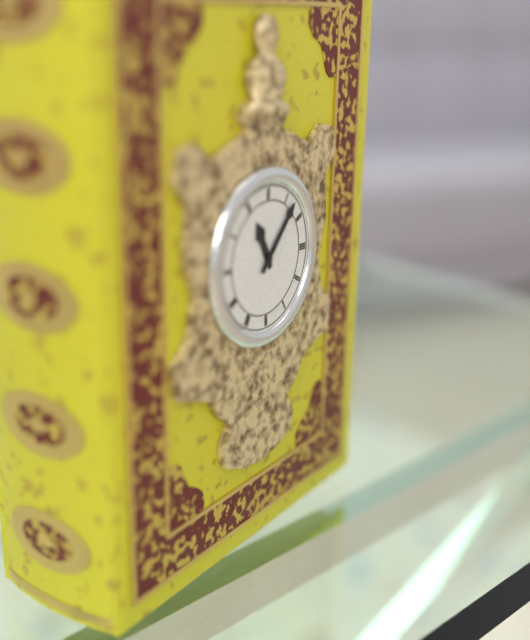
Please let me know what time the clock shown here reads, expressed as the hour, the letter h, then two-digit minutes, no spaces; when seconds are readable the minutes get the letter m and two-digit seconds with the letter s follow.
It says 11h07
